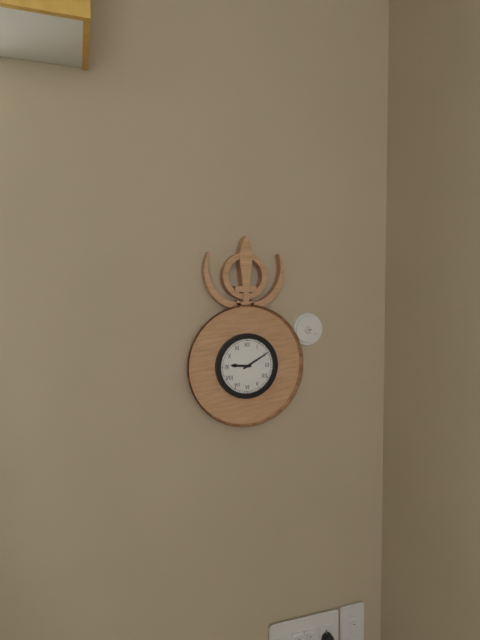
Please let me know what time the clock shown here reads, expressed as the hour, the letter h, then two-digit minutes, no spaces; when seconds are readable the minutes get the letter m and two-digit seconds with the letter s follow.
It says 9h10
